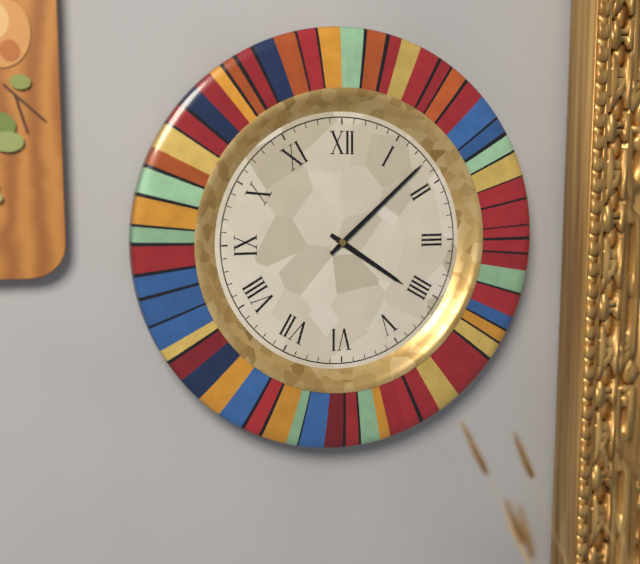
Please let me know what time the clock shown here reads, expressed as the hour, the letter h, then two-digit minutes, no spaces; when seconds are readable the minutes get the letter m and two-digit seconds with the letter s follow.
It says 4h08
